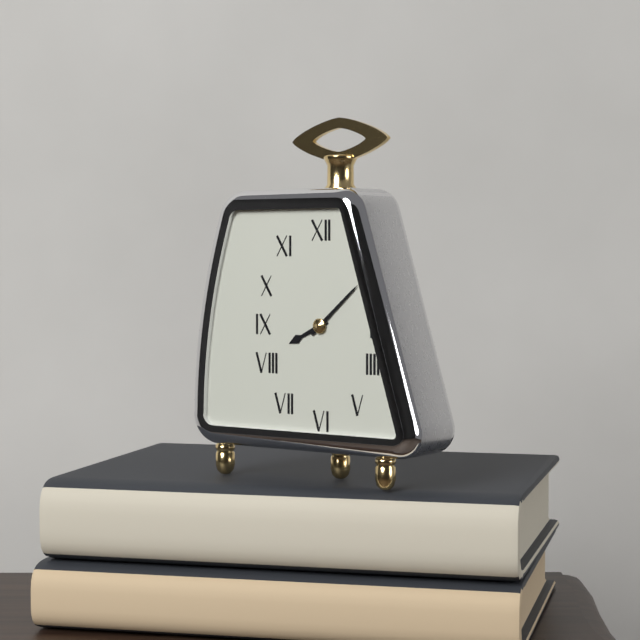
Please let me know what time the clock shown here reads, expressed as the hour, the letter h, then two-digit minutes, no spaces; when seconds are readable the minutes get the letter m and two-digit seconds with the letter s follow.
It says 8h08
